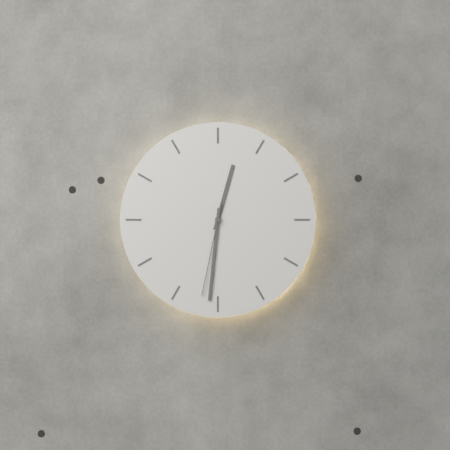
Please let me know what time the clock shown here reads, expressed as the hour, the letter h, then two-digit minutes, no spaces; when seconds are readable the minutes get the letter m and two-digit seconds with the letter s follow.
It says 12h31m32s
